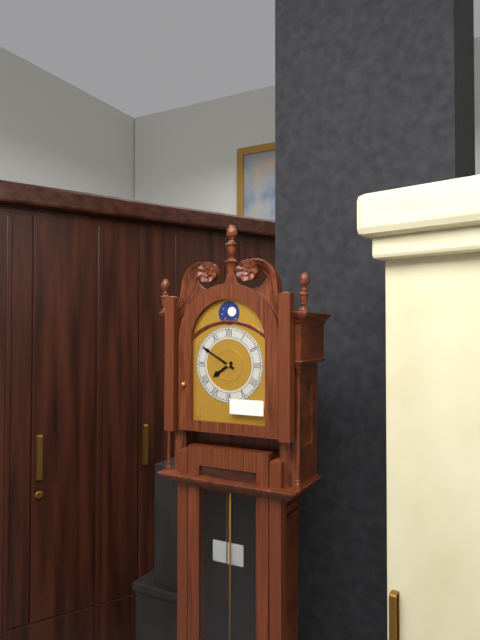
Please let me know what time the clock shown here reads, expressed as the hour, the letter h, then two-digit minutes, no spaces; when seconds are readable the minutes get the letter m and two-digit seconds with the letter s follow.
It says 7h50
